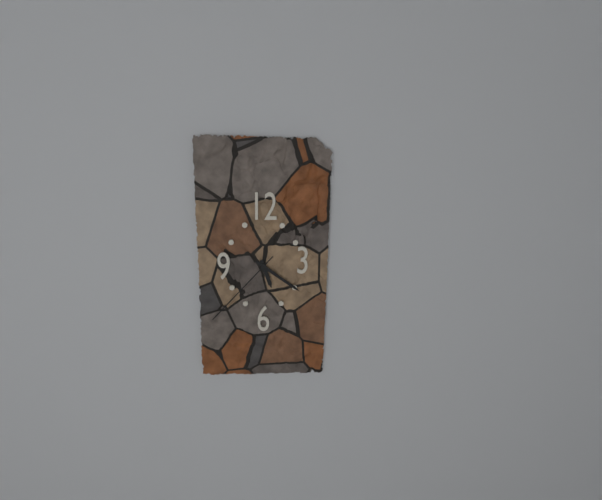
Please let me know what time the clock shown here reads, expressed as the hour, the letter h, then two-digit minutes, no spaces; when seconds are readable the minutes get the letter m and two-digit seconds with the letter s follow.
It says 5h21m37s
